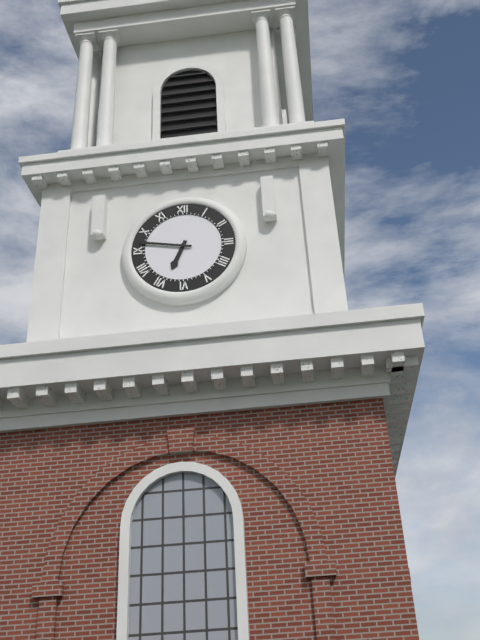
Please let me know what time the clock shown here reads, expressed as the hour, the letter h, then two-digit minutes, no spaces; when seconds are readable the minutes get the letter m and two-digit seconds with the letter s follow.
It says 6h47
